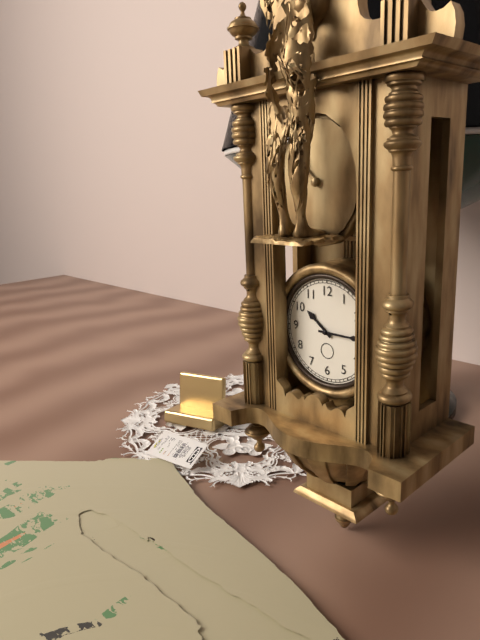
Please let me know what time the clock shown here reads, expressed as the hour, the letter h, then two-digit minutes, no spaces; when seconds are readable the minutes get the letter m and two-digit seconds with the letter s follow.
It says 10h15
